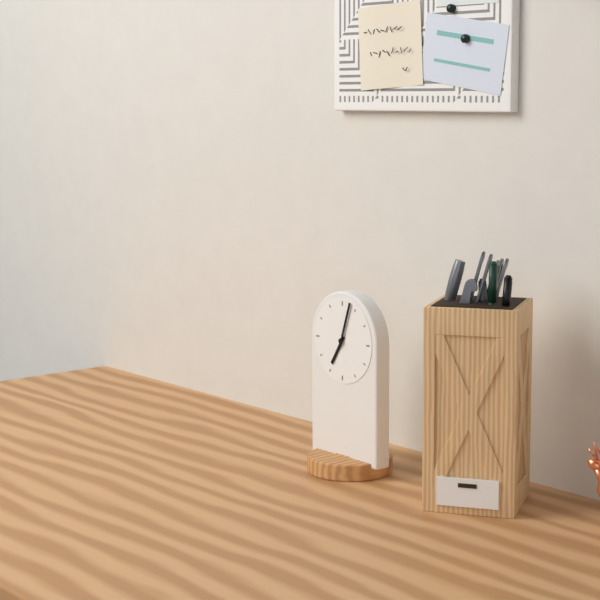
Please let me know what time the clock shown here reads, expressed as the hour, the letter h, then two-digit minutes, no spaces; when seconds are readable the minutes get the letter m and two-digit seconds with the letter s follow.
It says 7h03
